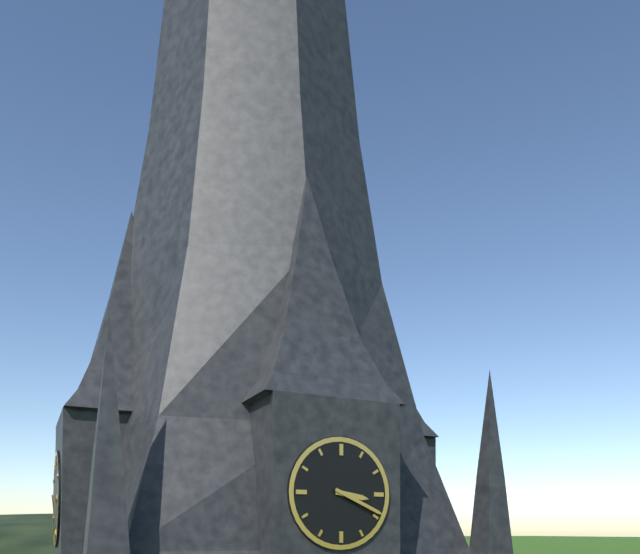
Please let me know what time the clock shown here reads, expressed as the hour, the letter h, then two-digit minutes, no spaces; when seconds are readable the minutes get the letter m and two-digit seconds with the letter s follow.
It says 3h19
